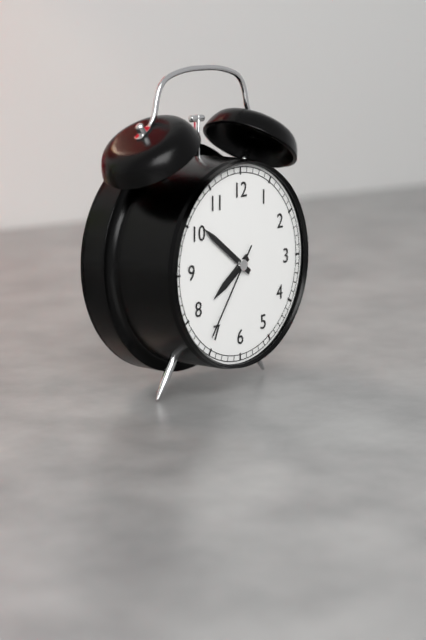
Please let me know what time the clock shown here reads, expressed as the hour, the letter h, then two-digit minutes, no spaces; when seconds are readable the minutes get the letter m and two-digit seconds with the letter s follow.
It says 7h51m36s
